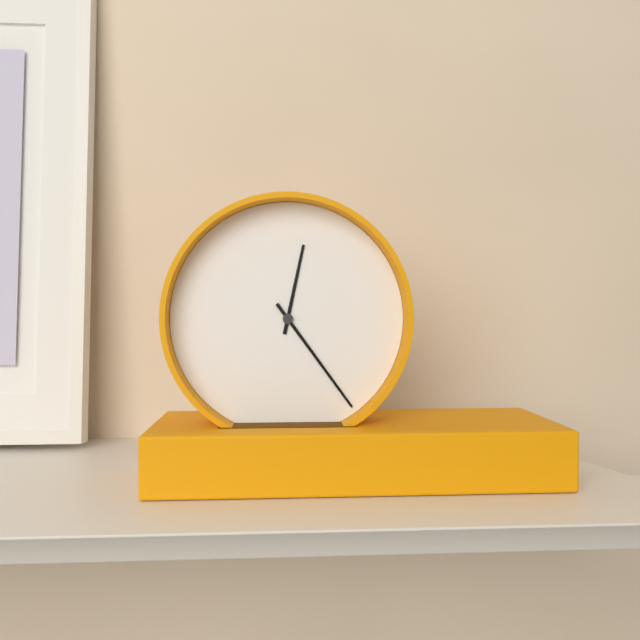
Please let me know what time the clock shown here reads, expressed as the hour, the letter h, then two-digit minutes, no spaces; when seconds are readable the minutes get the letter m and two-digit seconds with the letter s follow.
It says 12h24
